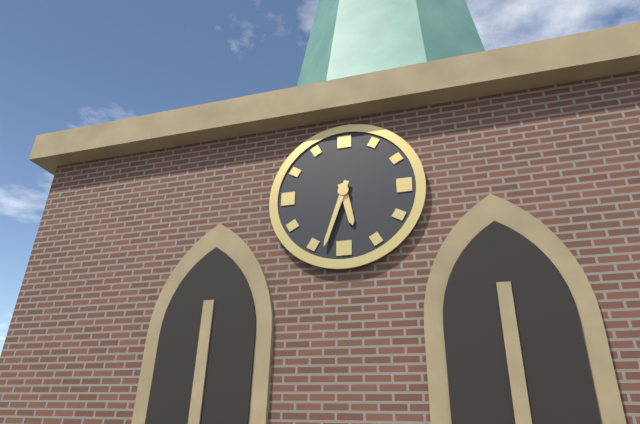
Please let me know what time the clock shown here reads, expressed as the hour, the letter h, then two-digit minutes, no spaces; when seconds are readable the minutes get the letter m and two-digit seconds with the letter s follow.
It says 5h33
